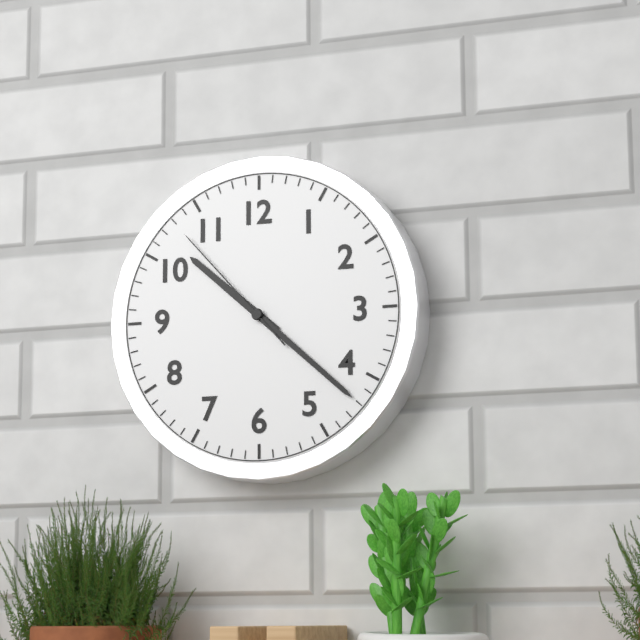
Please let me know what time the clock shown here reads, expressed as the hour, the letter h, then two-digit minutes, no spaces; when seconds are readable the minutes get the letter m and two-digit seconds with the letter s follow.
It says 10h22m53s
